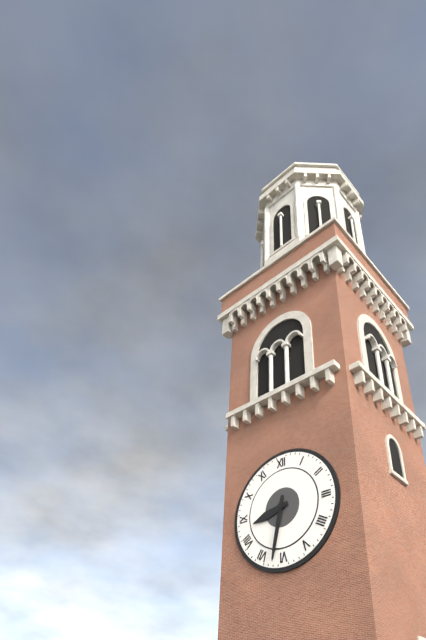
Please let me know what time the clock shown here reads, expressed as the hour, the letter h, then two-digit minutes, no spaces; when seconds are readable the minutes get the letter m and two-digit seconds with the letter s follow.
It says 8h32
